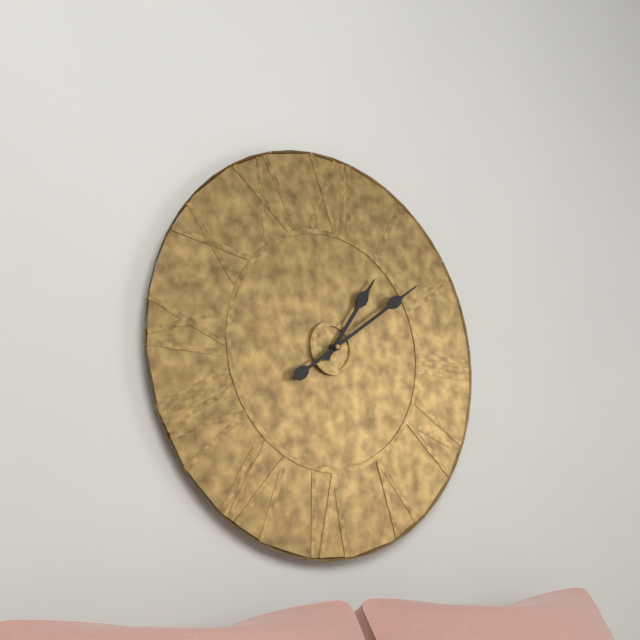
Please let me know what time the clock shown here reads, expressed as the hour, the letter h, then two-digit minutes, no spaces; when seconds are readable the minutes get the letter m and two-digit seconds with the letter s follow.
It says 1h09
